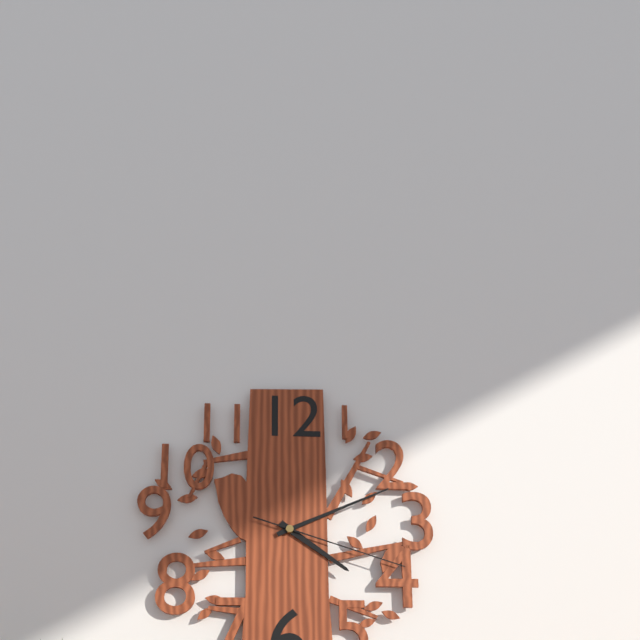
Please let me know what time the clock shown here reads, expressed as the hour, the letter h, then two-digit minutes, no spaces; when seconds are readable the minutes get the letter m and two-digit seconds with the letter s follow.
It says 4h11m18s
